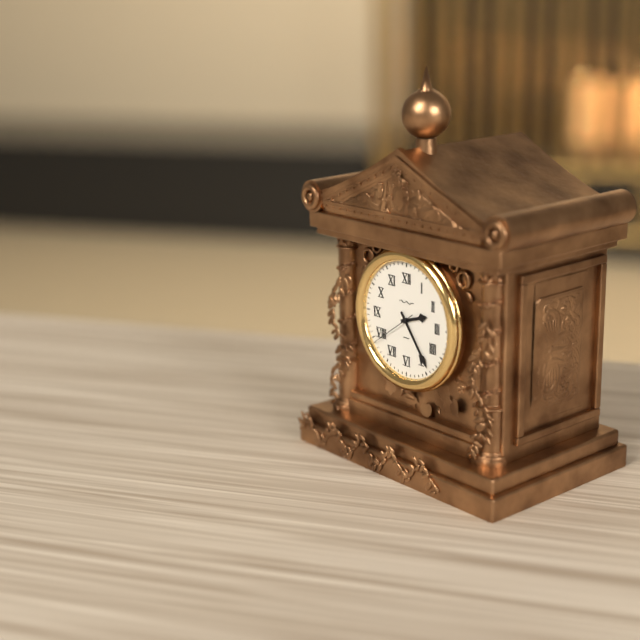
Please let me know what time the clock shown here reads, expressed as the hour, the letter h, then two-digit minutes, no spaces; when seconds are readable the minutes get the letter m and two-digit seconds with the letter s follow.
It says 2h24
